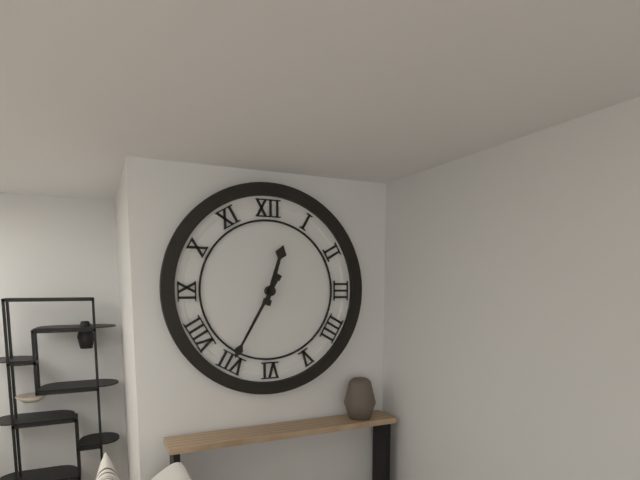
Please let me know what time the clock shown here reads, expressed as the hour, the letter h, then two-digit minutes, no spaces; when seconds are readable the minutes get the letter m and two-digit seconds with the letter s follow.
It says 12h35
